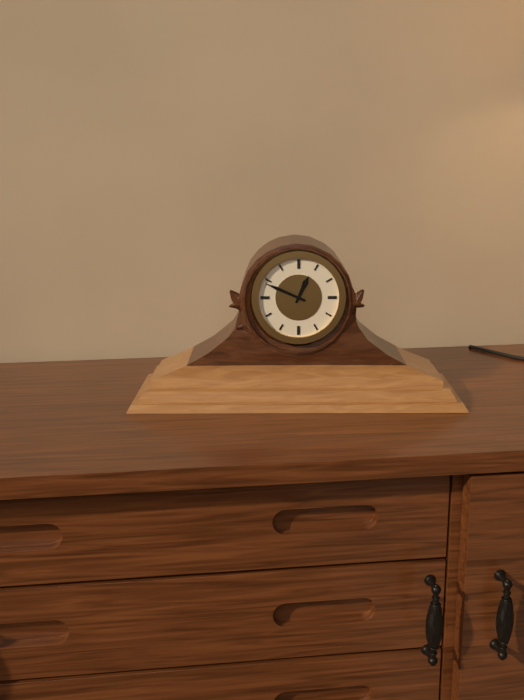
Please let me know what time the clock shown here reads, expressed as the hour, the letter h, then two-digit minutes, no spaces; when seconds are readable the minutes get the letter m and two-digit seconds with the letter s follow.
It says 12h49
